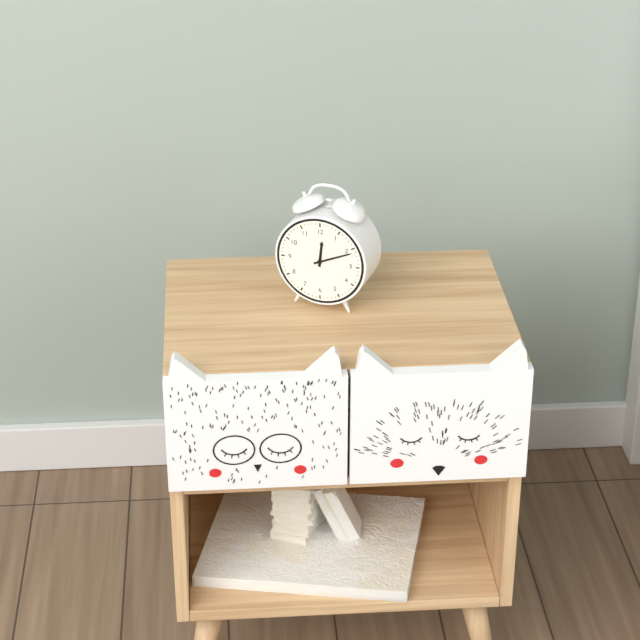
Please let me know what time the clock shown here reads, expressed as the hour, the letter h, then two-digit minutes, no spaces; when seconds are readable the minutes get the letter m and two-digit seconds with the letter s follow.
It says 12h11
